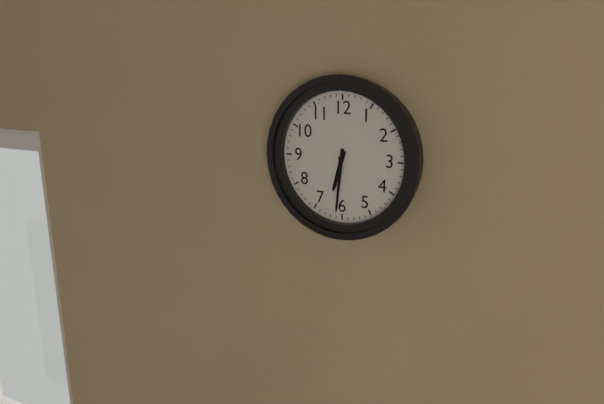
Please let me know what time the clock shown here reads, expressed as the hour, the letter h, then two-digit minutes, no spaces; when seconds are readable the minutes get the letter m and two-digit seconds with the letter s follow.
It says 6h31
